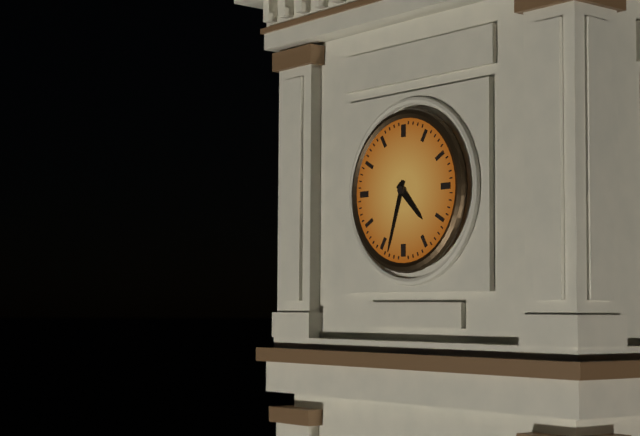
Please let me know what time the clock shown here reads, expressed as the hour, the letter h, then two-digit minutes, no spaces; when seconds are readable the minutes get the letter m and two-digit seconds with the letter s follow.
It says 4h33
